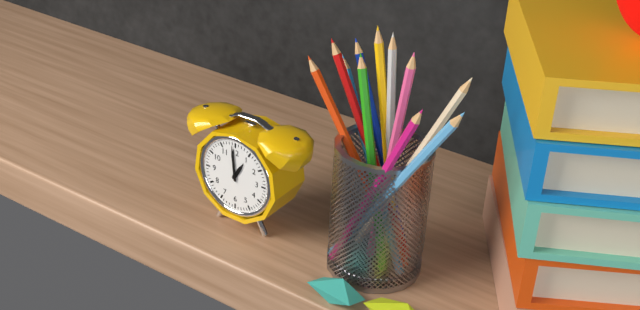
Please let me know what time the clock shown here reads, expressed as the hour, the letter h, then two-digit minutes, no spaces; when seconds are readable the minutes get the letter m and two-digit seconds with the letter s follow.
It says 12h59
